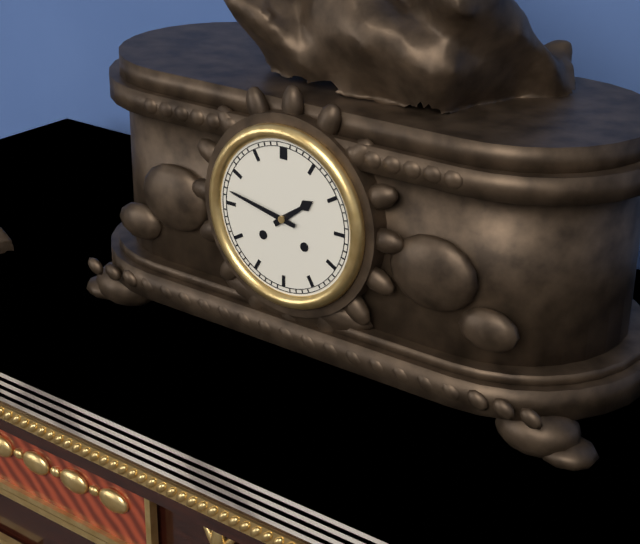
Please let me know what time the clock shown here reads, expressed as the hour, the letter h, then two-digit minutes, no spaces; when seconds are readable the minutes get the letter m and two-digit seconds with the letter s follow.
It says 1h47
